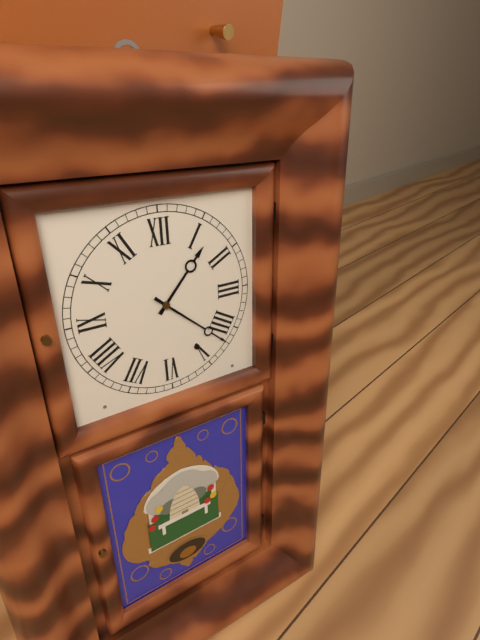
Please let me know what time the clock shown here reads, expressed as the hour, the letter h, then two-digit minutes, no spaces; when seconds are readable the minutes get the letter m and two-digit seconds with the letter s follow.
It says 1h22
